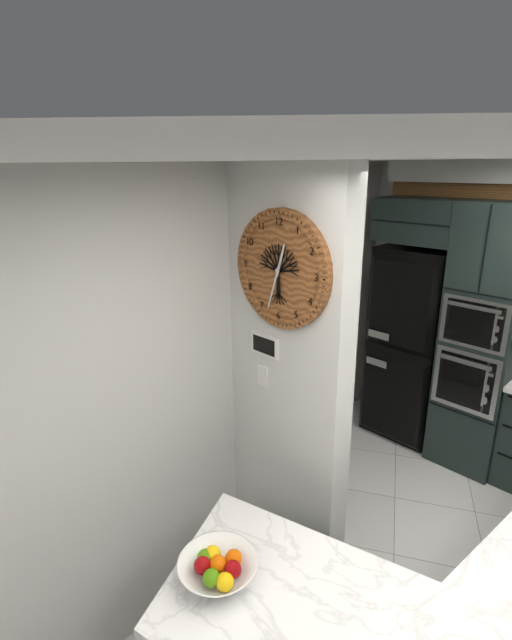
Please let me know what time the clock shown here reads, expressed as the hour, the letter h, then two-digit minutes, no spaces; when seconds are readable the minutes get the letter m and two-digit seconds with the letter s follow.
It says 12h33
